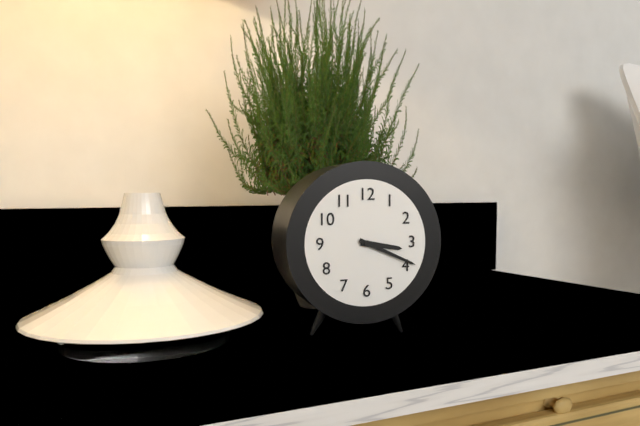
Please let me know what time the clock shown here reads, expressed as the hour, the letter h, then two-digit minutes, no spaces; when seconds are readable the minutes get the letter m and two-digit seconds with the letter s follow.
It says 3h19
